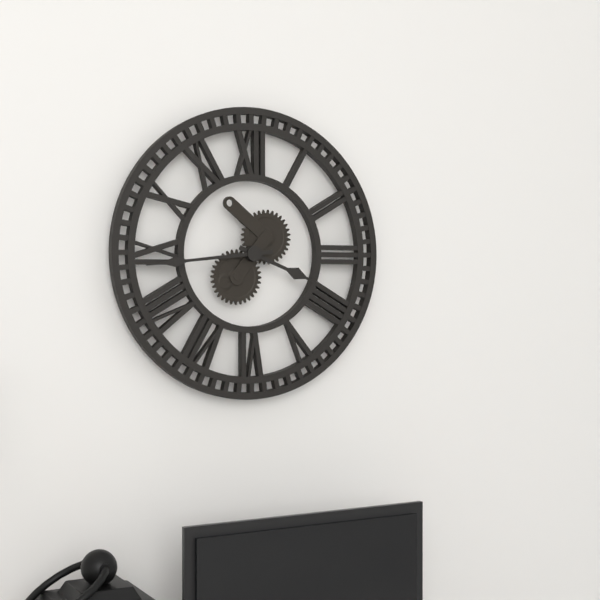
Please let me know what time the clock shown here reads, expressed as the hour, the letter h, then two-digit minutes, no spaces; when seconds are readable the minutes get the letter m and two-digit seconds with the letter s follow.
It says 3h44
